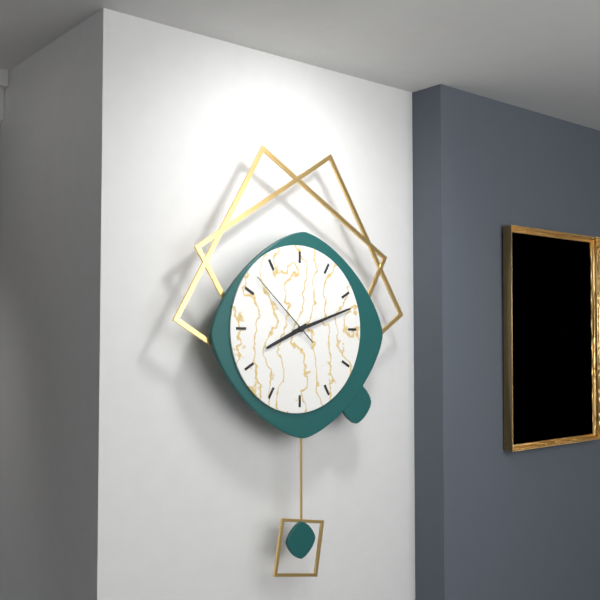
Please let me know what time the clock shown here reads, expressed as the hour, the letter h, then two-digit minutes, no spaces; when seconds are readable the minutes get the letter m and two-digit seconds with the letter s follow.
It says 8h12m52s
